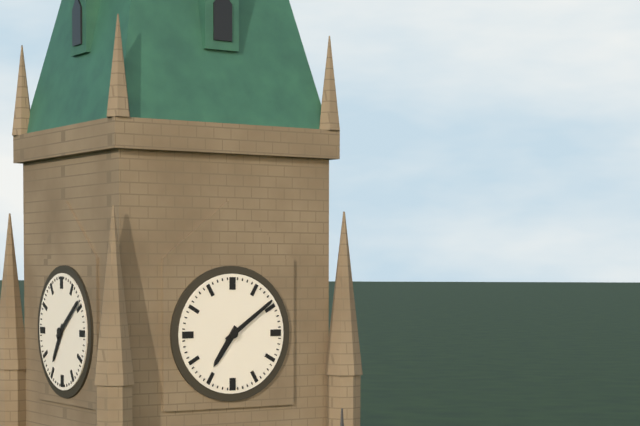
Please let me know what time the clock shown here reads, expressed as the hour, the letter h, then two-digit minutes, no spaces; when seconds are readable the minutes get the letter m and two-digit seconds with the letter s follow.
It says 7h09
